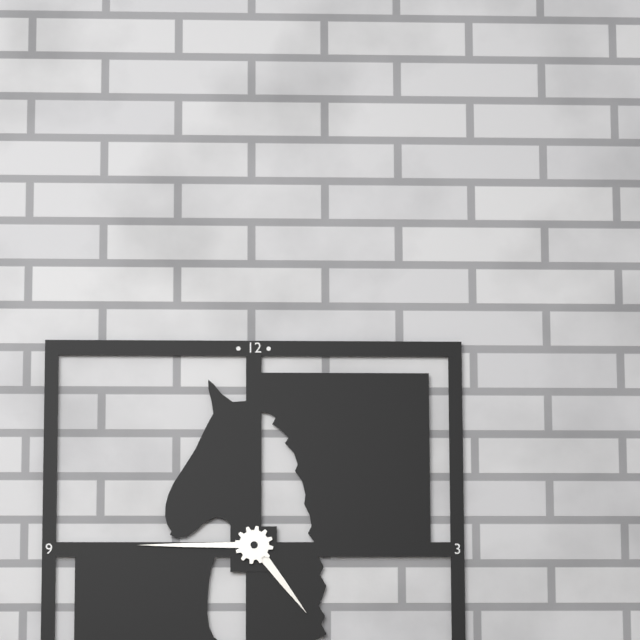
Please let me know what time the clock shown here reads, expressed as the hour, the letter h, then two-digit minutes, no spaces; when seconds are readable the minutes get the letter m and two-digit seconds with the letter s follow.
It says 4h45
